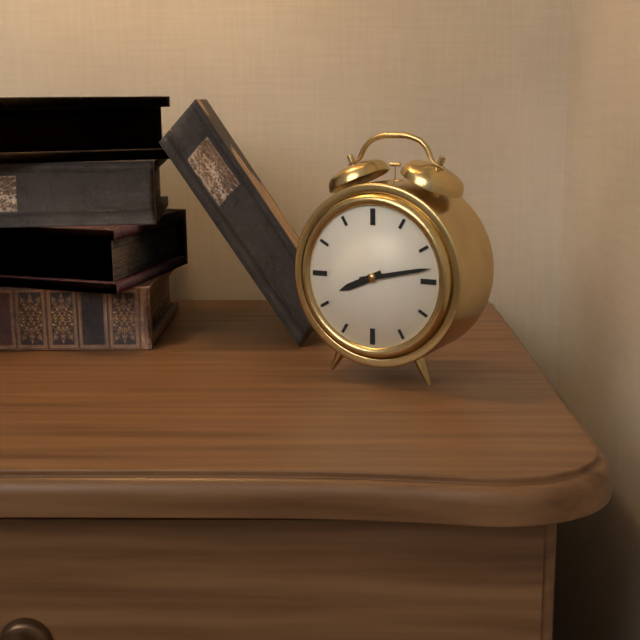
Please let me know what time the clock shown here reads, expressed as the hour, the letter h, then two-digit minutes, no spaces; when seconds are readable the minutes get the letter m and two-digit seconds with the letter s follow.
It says 8h13
